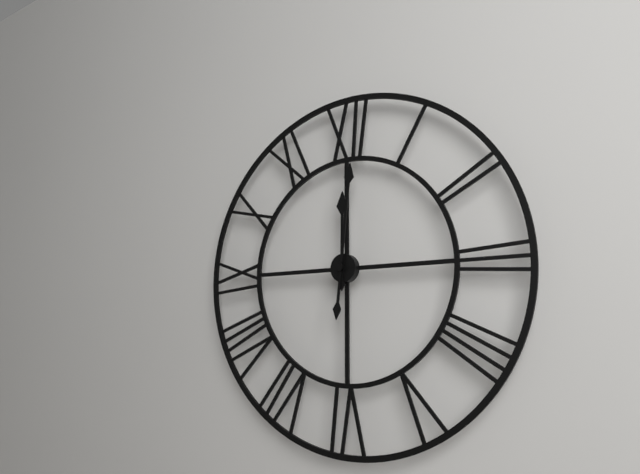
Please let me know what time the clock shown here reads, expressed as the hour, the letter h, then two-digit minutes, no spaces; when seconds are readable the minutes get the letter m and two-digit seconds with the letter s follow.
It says 12h01
